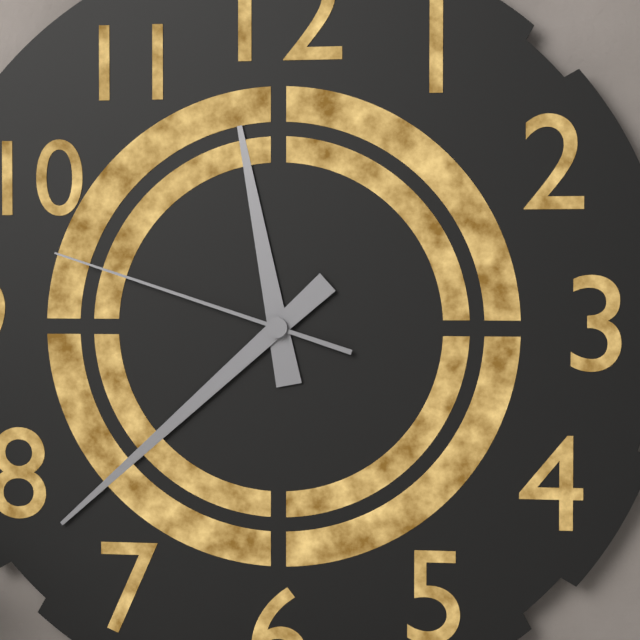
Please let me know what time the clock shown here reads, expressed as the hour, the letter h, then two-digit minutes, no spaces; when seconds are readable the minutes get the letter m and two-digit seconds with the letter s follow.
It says 11h38m48s
